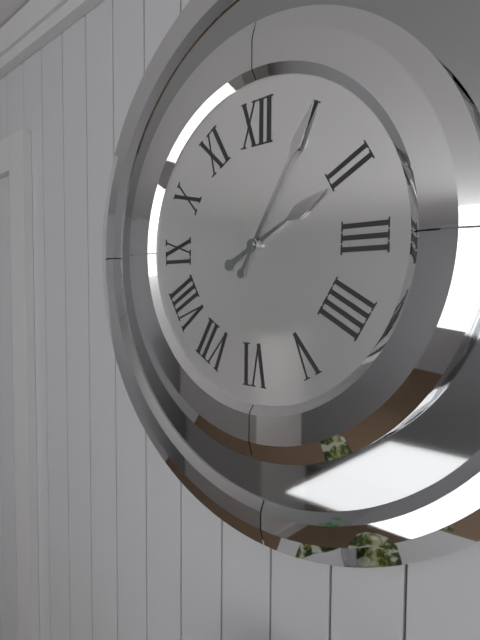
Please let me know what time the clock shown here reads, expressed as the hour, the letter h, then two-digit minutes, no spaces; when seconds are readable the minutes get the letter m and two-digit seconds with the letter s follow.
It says 2h05
